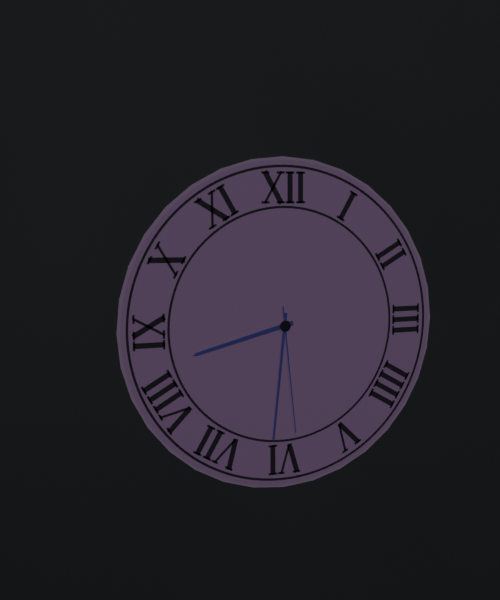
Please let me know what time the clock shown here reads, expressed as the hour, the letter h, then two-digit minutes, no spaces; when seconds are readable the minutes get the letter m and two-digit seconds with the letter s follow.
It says 8h31m29s
